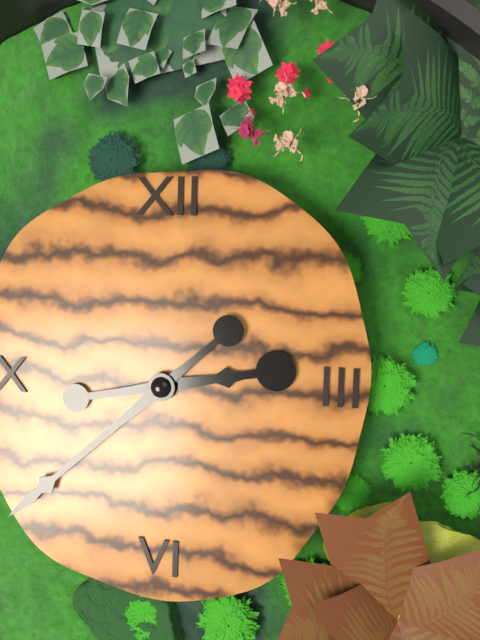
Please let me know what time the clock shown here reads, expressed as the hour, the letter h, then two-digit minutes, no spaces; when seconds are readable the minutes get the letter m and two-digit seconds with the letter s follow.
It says 2h38
